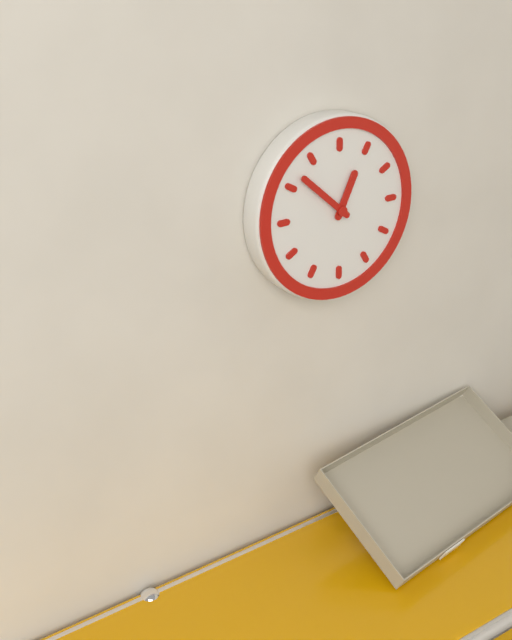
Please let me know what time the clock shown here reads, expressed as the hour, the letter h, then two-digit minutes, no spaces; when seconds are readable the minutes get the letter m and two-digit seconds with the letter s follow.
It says 12h52
